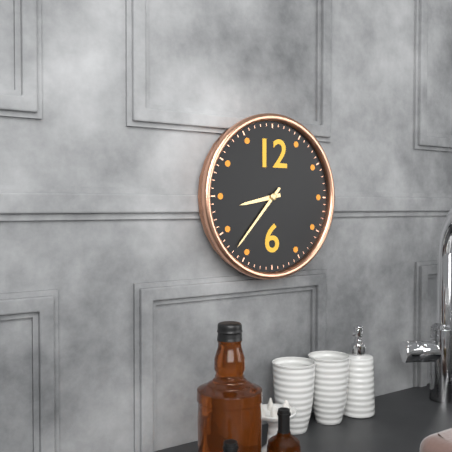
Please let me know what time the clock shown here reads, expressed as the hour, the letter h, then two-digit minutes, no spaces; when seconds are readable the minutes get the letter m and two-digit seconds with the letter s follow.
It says 8h37
